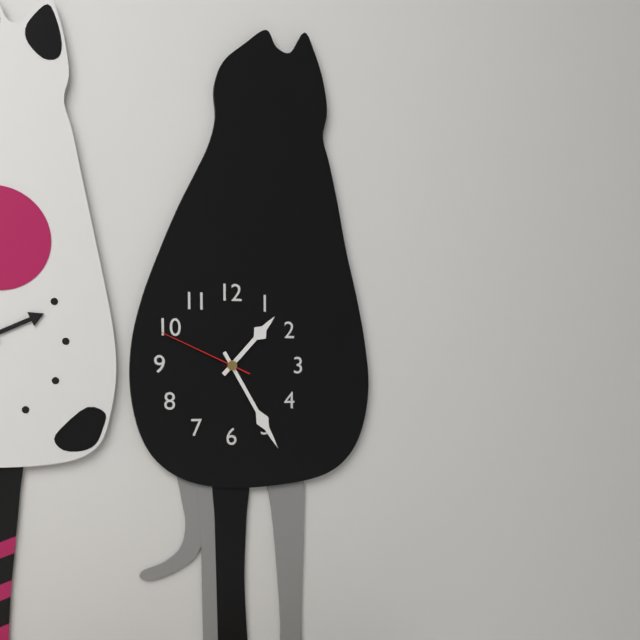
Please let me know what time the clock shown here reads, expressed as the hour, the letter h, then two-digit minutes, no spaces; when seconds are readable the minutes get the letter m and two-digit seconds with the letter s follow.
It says 1h25m49s
